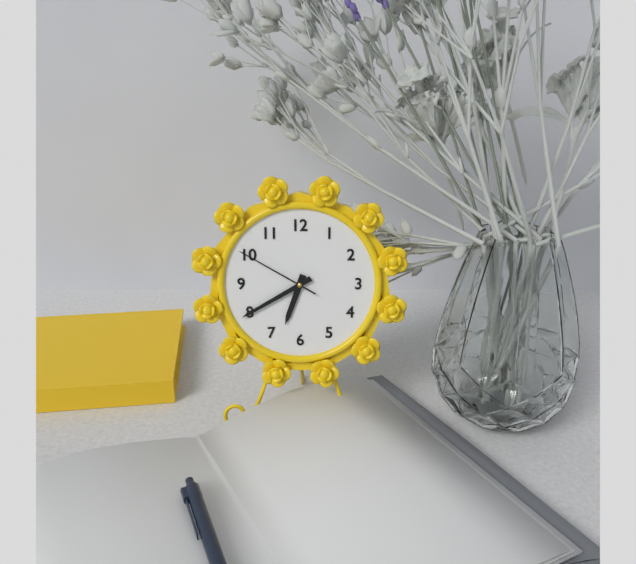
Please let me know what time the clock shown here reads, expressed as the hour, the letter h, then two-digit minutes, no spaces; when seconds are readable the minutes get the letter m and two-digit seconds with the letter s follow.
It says 6h40m50s
